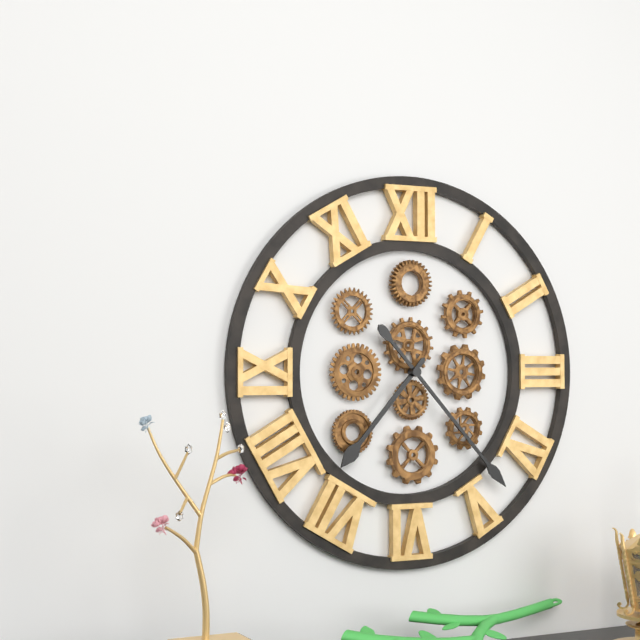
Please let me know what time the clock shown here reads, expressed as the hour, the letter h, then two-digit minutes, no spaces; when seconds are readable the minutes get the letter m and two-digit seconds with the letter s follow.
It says 7h23
